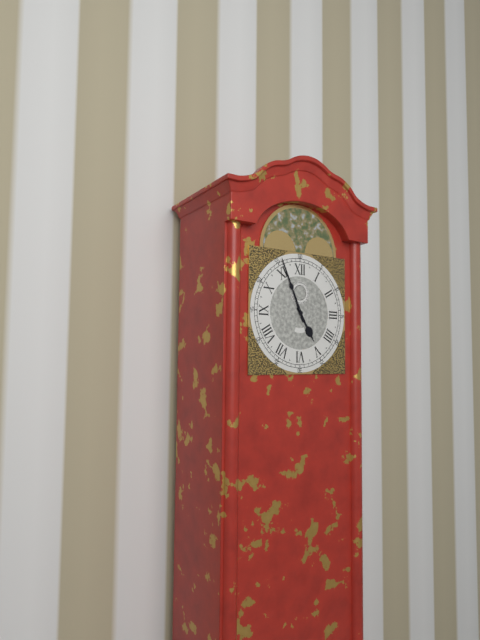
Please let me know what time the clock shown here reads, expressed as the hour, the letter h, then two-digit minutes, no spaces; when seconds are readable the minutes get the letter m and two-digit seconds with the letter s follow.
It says 4h56
